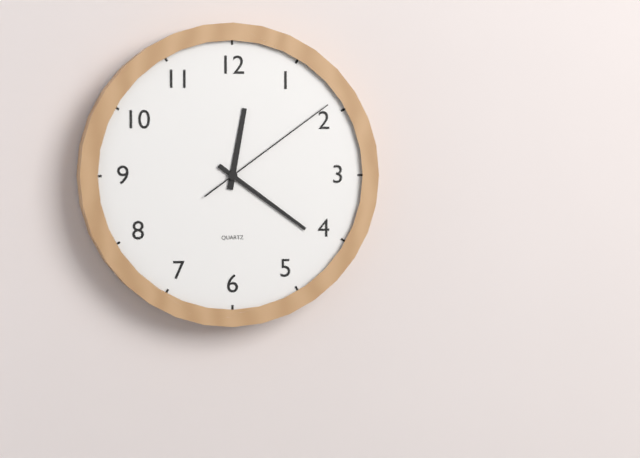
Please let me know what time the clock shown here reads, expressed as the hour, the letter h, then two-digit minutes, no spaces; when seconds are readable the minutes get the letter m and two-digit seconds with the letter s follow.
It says 12h21m09s
